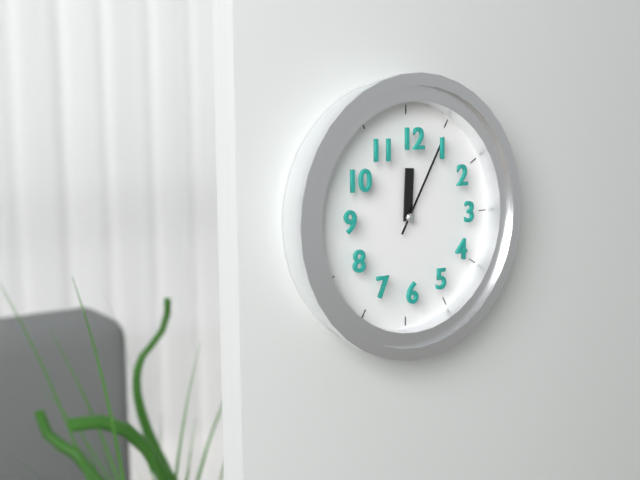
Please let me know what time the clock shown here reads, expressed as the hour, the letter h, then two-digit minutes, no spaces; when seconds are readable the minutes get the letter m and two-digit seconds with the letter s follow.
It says 12h05
